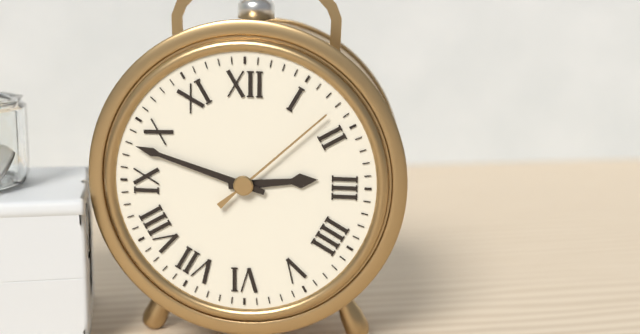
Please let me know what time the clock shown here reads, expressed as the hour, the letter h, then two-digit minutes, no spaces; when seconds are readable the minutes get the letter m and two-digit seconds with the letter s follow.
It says 2h48m08s
